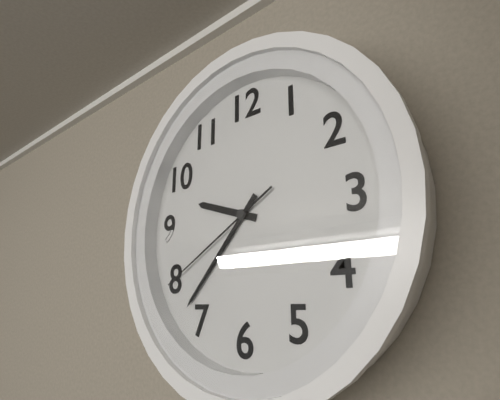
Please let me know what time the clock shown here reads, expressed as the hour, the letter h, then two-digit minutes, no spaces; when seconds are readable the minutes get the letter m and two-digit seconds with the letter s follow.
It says 9h37m40s
